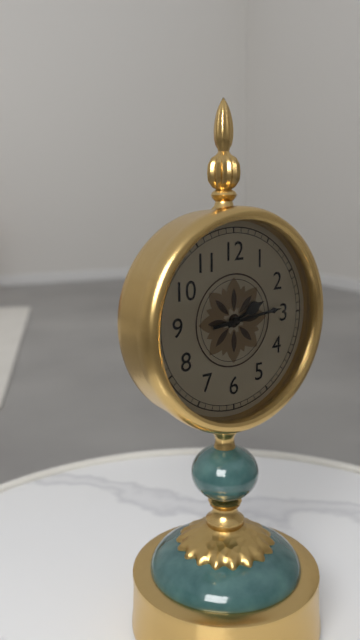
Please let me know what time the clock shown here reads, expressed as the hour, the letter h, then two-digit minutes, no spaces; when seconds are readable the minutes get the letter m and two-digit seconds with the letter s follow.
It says 2h14
